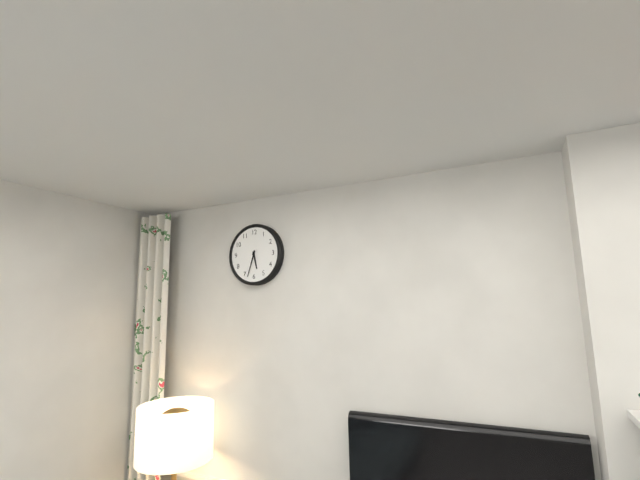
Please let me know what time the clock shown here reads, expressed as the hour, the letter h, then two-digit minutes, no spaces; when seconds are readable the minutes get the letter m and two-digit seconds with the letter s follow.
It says 5h33
